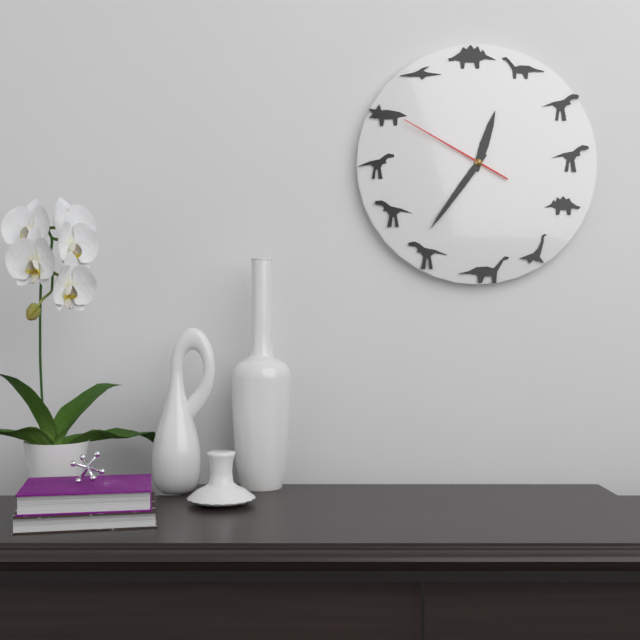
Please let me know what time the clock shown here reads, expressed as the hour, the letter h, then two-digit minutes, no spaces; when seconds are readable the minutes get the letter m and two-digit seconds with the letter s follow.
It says 12h36m50s
